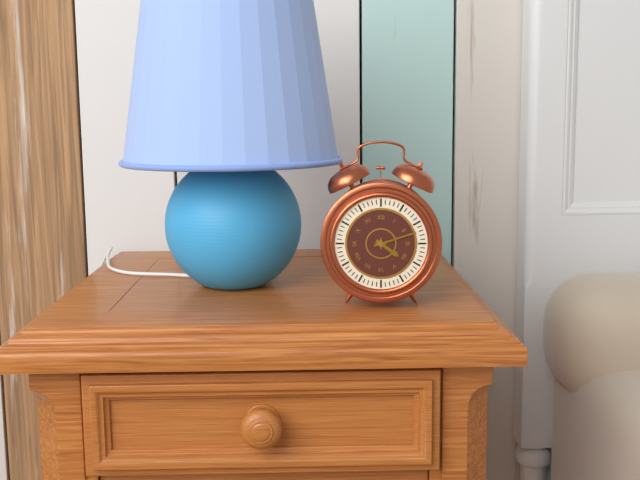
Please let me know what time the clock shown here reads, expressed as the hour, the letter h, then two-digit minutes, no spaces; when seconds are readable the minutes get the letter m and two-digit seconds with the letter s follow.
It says 4h12
